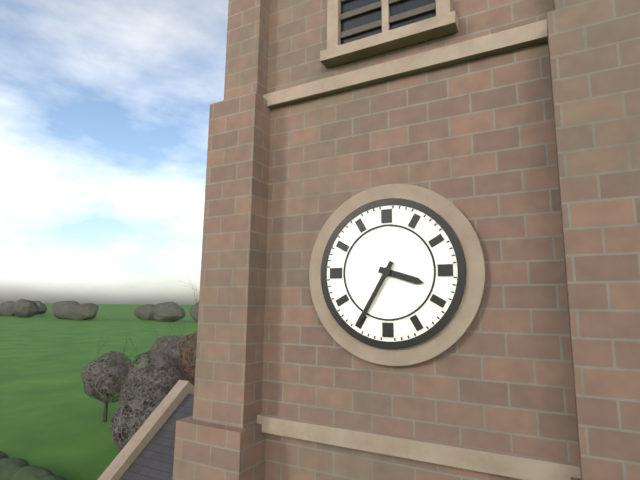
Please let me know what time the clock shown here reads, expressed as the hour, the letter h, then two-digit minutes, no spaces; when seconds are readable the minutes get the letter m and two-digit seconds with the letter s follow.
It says 3h35
